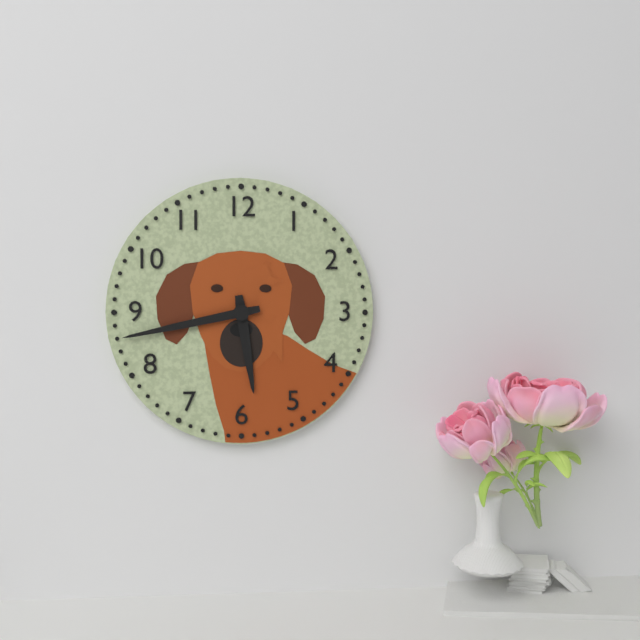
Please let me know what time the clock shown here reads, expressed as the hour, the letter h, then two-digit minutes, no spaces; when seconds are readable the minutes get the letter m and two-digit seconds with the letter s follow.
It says 5h43
